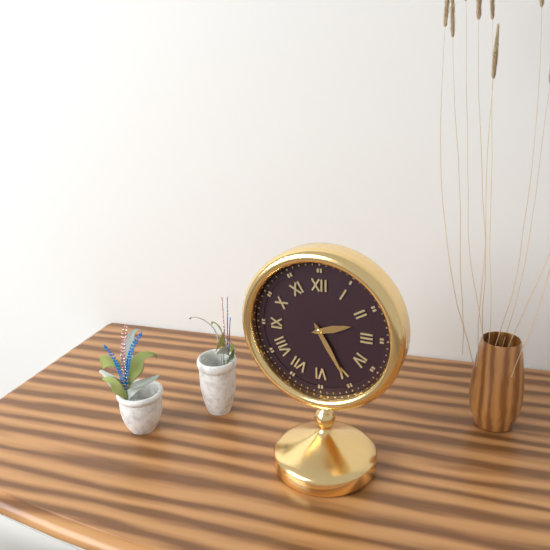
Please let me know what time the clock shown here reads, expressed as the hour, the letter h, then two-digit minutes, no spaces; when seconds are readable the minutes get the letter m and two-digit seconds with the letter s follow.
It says 2h25
